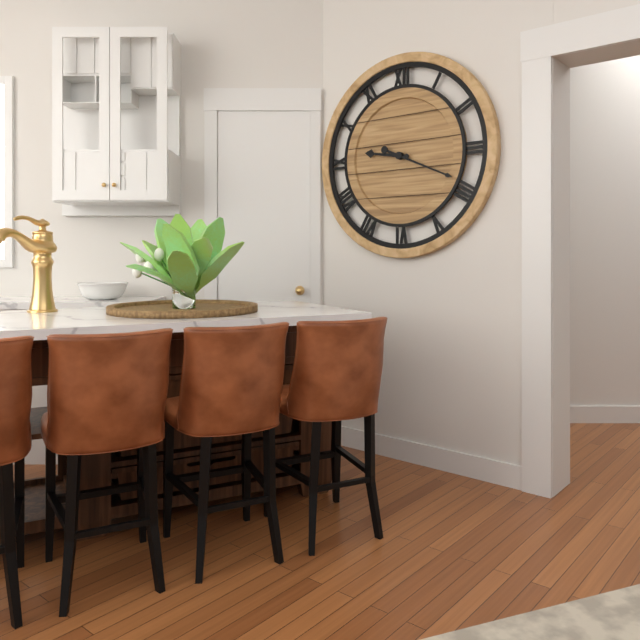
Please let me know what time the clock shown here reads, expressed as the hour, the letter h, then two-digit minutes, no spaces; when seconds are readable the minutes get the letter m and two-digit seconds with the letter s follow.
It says 9h19
